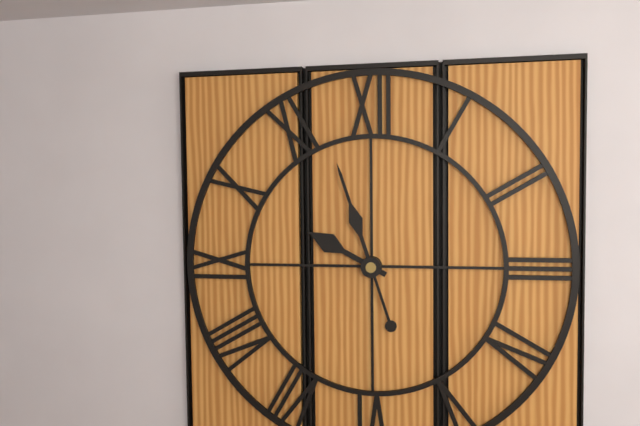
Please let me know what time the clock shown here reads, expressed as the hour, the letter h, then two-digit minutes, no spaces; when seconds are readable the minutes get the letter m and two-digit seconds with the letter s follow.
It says 9h57
